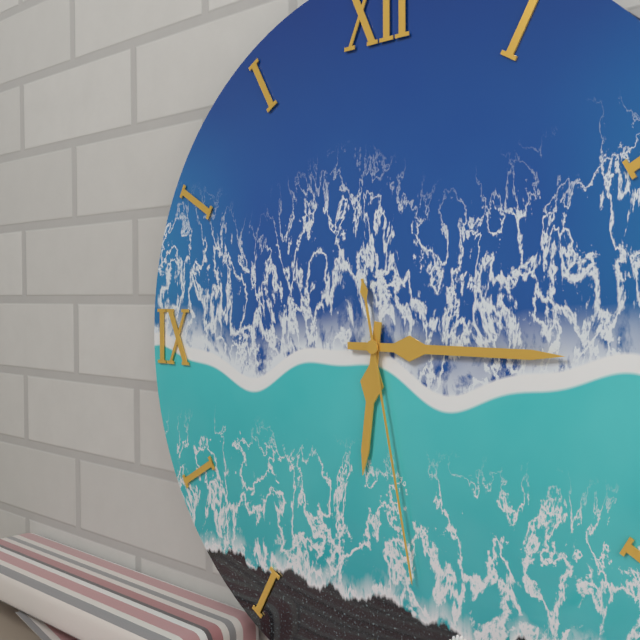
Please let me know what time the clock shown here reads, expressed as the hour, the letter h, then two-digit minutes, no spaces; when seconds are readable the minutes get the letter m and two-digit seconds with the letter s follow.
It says 6h15m28s
